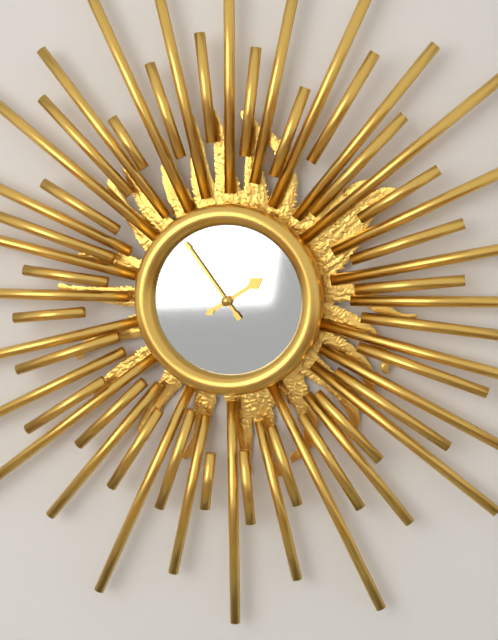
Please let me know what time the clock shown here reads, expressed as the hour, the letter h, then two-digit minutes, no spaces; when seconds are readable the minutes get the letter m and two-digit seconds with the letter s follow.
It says 1h54
